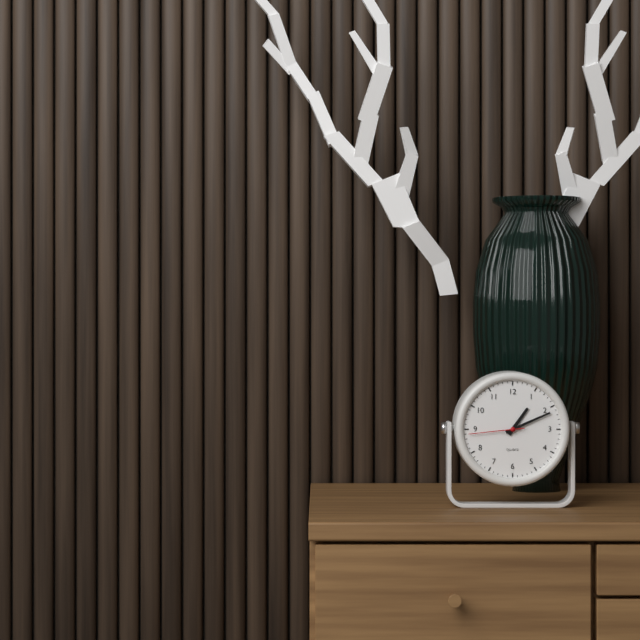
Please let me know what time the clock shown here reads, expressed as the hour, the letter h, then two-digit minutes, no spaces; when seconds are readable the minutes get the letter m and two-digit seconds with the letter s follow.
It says 1h11m44s
